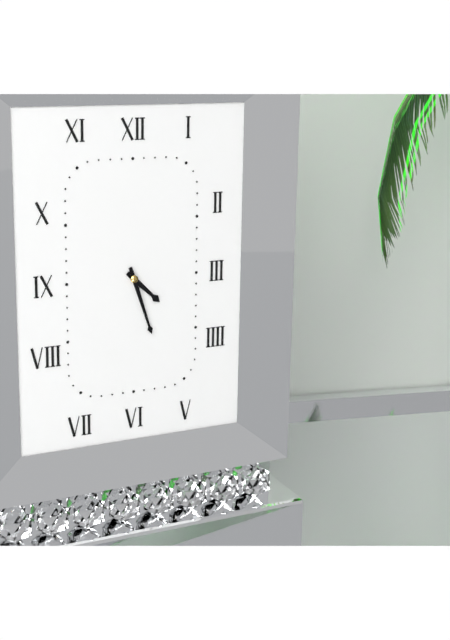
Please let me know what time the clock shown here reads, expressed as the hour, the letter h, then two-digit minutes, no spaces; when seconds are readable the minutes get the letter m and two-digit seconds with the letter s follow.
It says 4h27
